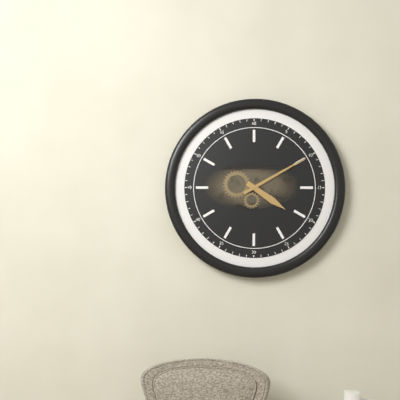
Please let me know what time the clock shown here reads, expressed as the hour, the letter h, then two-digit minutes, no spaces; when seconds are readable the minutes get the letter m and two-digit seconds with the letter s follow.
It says 4h10
